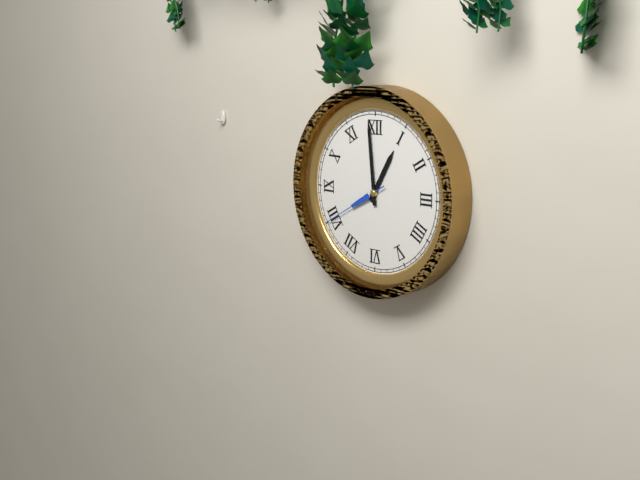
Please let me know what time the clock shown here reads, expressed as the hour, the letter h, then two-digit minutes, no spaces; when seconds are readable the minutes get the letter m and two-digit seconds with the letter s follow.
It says 12h59m40s
